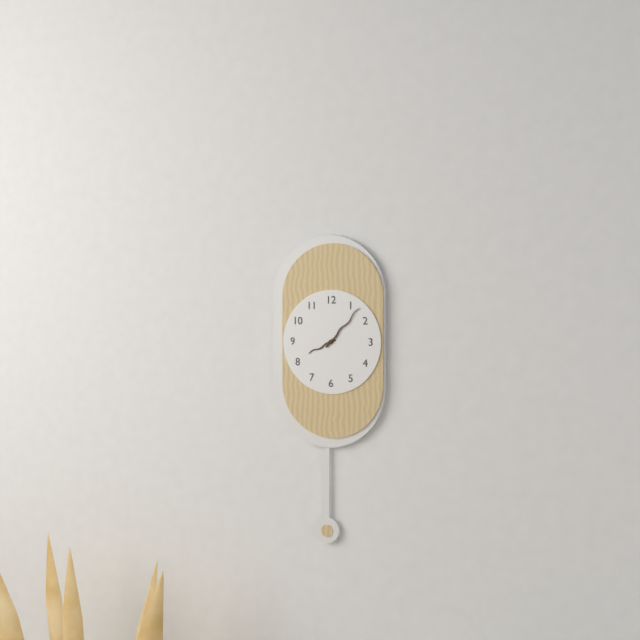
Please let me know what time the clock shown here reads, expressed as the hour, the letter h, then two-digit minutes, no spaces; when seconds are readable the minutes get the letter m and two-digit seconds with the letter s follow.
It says 8h07
